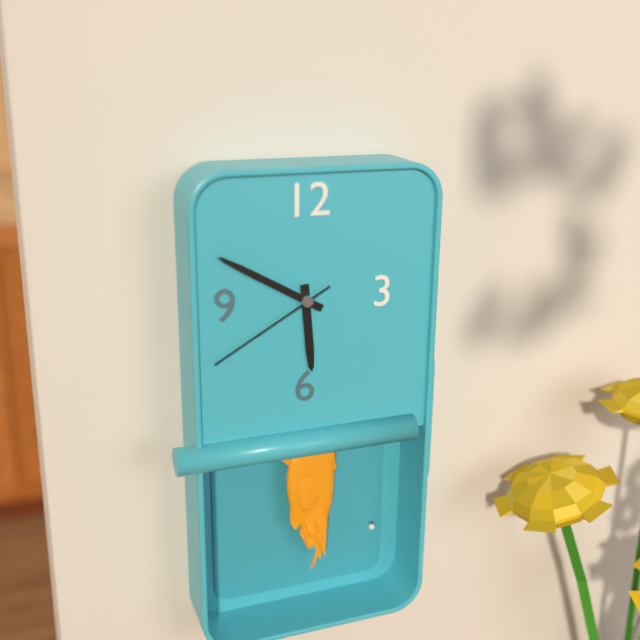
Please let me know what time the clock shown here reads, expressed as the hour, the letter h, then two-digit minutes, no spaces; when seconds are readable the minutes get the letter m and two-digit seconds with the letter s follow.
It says 5h50m40s
